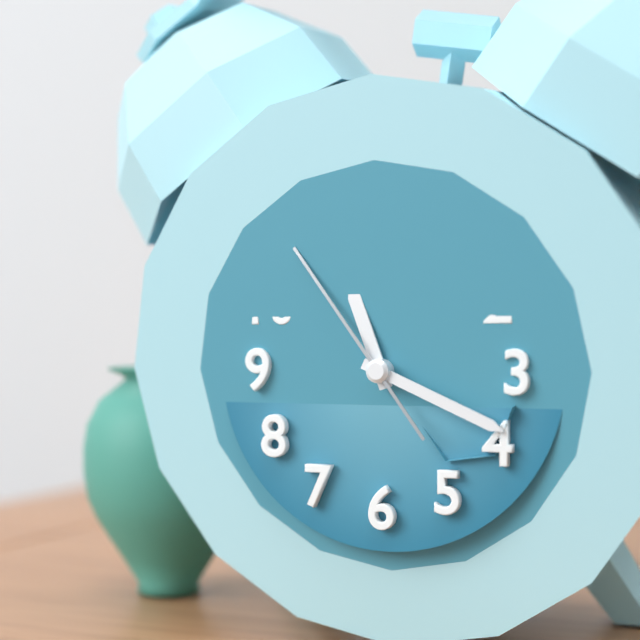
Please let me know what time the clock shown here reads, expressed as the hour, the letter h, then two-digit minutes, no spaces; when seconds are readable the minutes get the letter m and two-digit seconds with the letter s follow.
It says 11h19m54s
